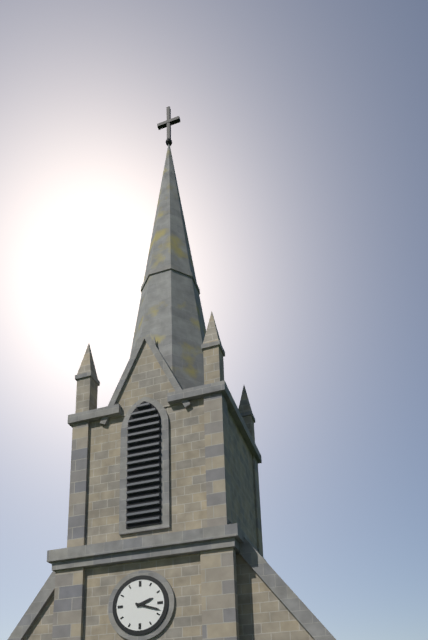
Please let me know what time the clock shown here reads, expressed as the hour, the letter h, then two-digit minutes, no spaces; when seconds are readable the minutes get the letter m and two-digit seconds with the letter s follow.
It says 2h18
